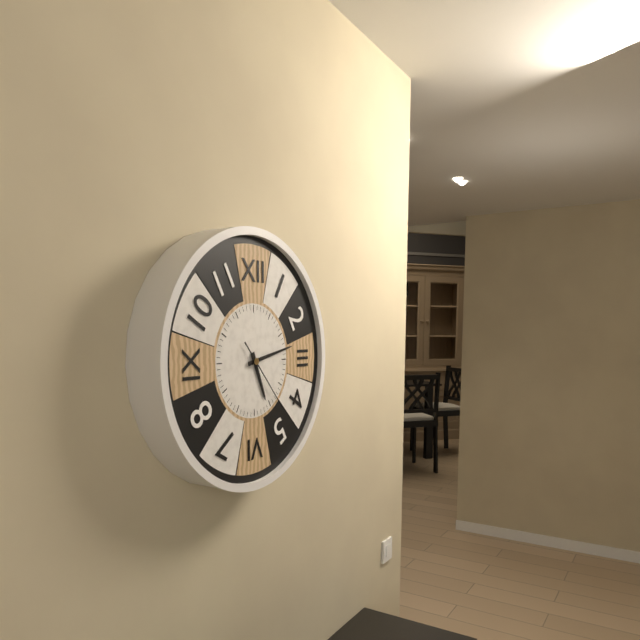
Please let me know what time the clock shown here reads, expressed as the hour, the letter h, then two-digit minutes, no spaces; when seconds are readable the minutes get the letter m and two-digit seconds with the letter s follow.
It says 5h13m23s
